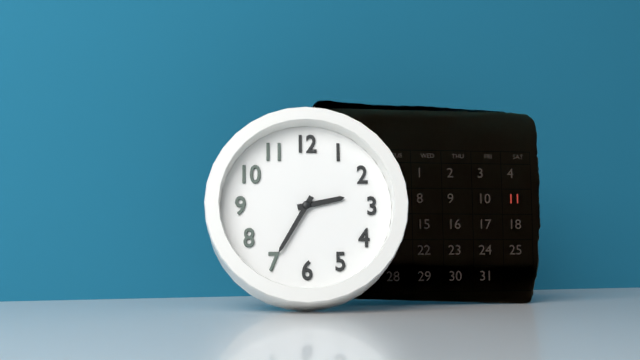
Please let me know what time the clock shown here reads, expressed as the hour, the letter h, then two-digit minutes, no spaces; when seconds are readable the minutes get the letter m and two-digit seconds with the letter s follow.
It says 2h35
